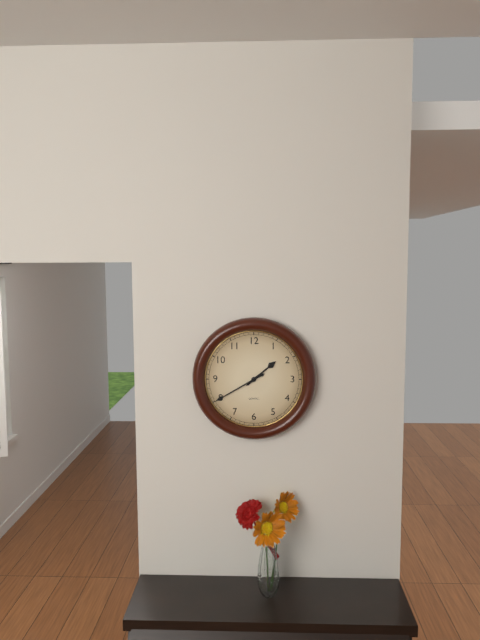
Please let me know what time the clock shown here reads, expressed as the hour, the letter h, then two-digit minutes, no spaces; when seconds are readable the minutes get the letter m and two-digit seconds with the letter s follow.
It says 1h40
